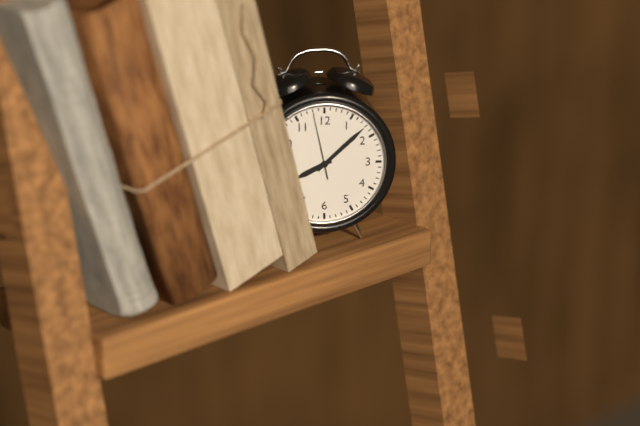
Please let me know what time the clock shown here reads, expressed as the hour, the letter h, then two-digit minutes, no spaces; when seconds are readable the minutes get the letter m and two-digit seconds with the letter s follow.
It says 8h08m58s
